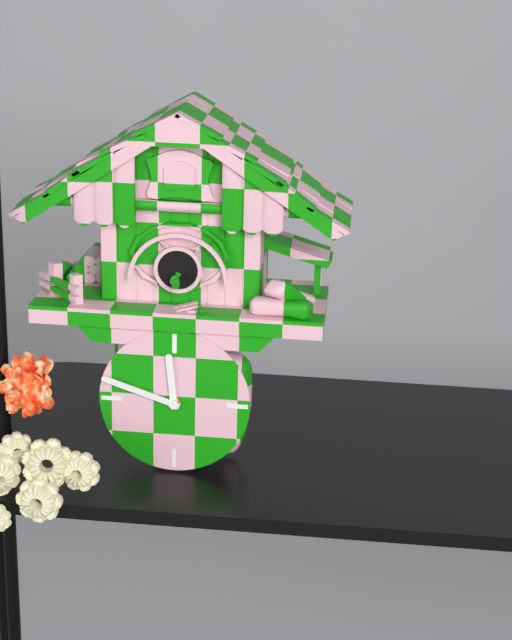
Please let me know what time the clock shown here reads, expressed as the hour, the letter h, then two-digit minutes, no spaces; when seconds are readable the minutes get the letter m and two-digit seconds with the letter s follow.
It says 11h48
